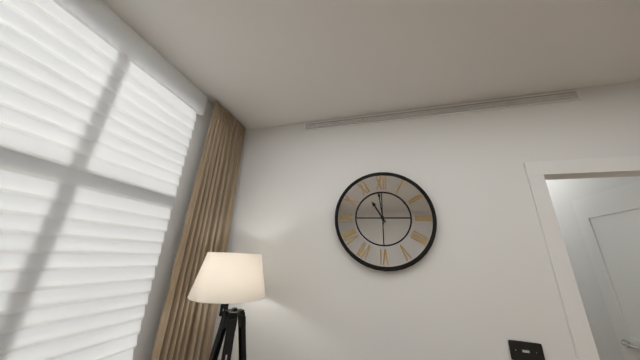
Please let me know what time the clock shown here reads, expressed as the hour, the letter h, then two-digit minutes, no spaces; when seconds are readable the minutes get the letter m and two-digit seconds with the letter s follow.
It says 10h59
